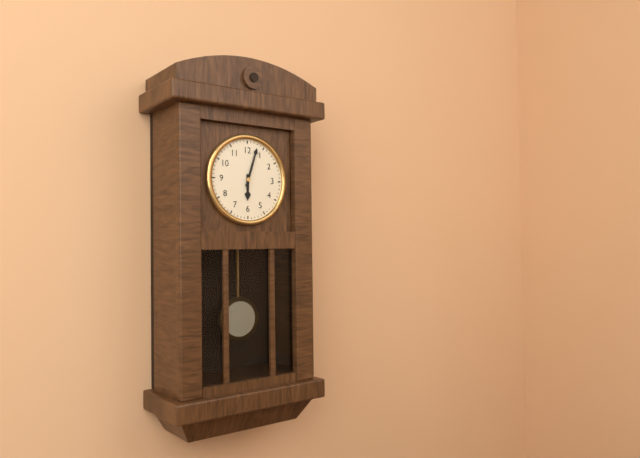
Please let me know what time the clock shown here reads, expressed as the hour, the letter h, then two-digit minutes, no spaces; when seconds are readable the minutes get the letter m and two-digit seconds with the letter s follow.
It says 6h03
